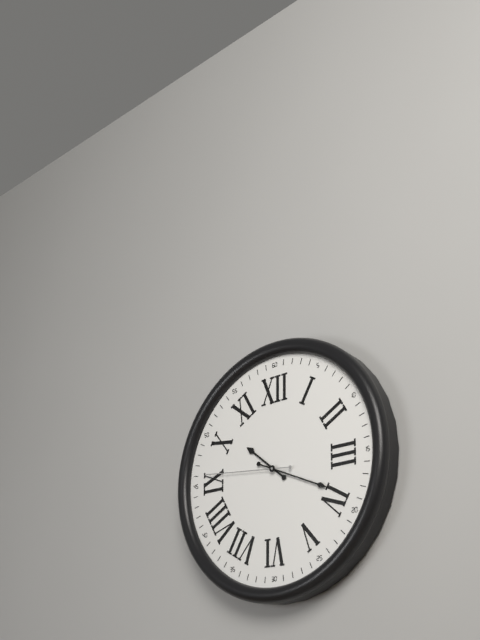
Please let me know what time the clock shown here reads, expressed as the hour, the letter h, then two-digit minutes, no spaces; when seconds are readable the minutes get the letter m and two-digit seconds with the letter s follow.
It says 10h19m46s
